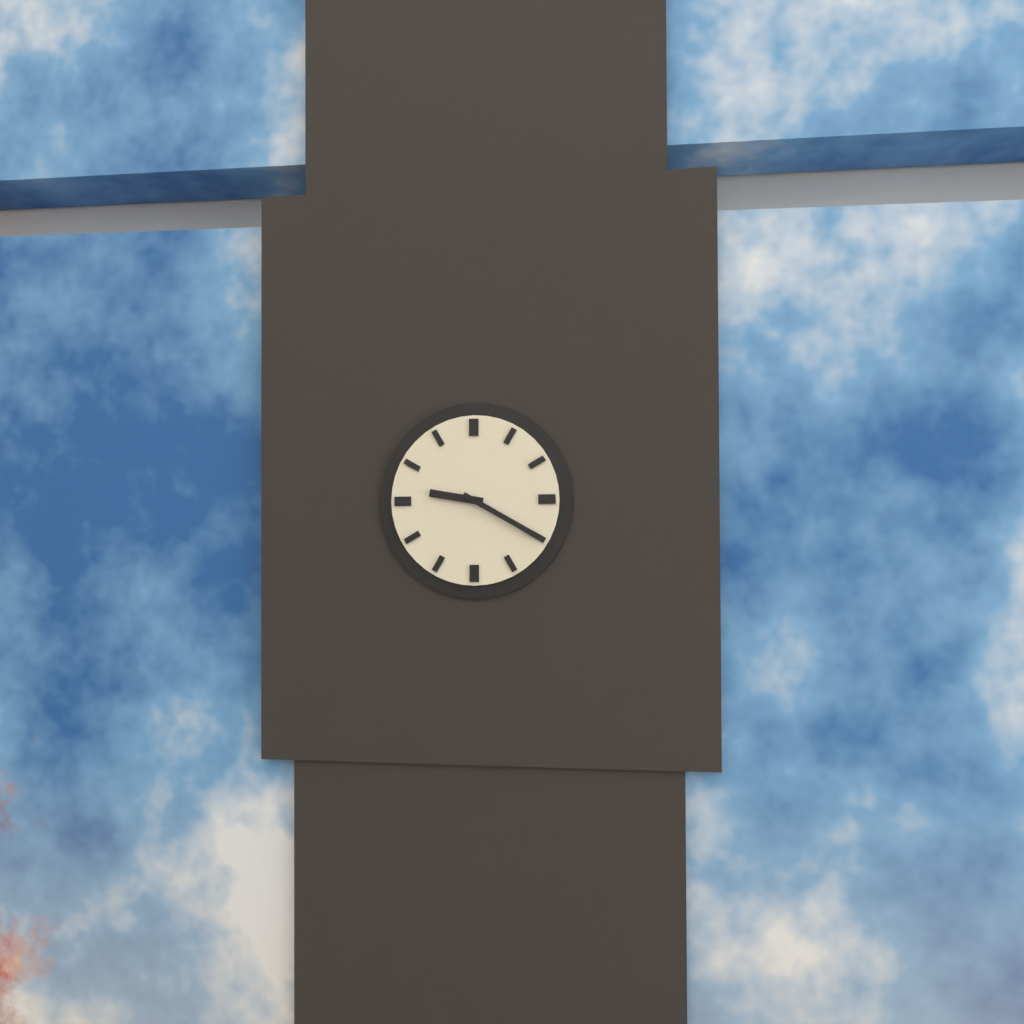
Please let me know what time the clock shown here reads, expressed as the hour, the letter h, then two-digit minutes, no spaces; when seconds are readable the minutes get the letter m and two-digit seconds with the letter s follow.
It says 9h20
